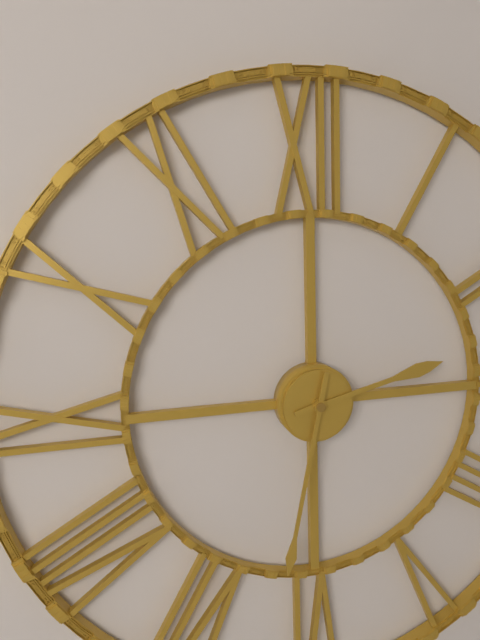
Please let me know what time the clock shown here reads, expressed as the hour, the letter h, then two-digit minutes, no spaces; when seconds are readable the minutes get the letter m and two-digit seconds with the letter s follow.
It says 2h32
